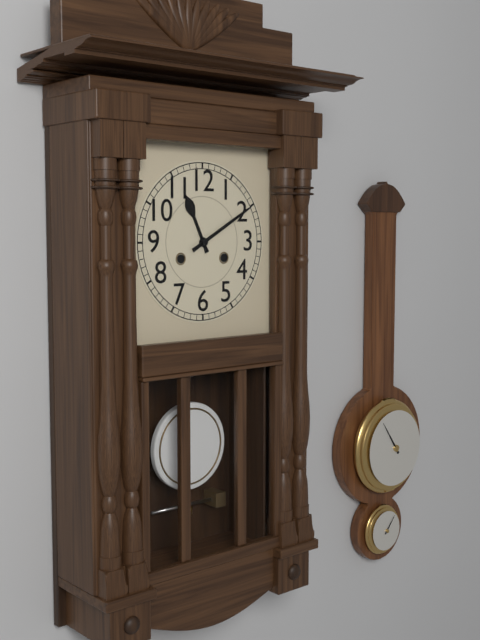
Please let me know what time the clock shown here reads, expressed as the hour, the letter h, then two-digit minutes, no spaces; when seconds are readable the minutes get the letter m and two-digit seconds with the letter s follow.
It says 11h10
